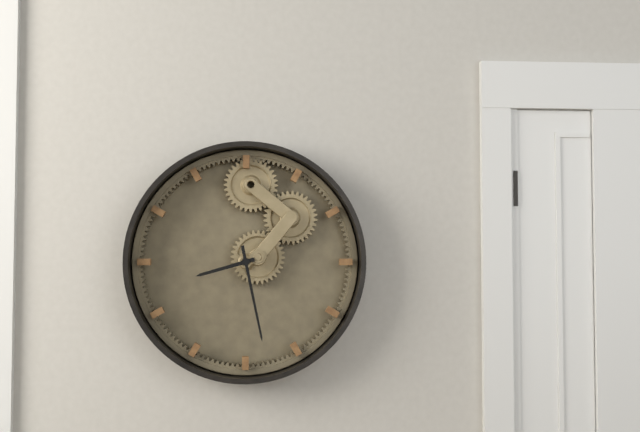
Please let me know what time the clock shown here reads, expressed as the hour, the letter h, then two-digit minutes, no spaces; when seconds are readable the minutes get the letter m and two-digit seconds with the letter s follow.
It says 8h28
